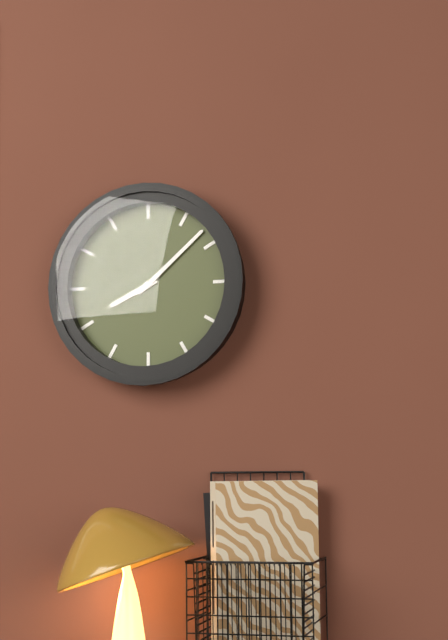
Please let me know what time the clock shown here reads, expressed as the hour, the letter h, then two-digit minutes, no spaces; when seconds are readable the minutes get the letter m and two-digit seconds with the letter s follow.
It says 8h08
